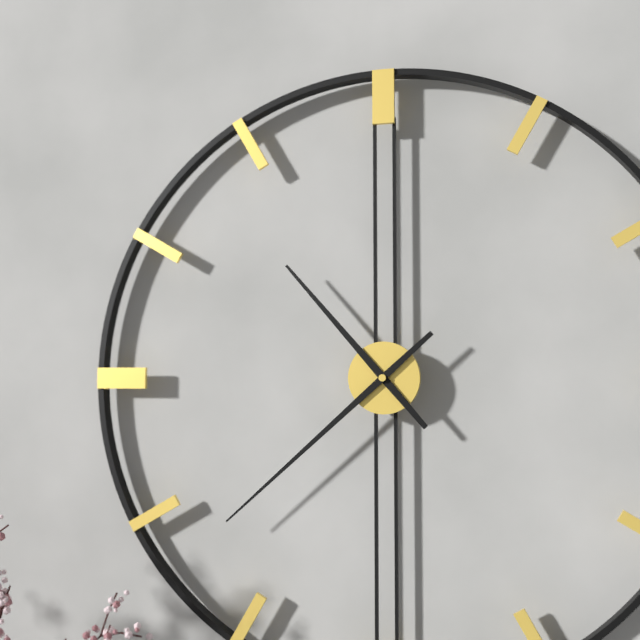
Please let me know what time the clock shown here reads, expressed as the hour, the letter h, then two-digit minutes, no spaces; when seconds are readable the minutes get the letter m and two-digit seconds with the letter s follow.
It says 10h38
